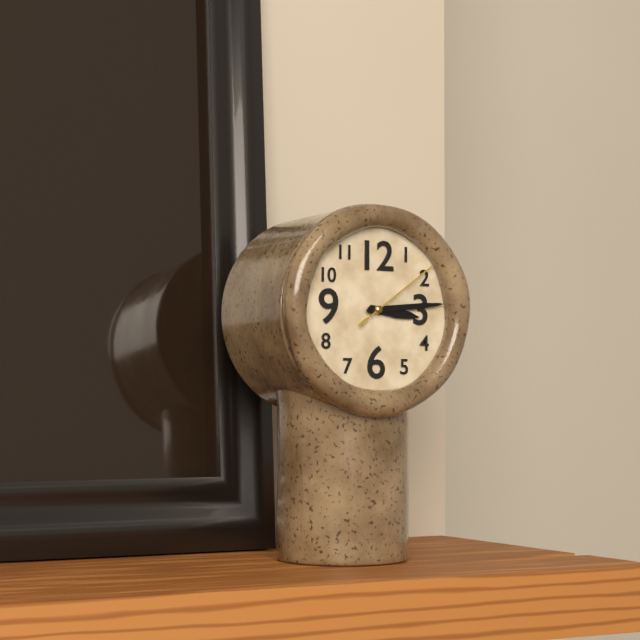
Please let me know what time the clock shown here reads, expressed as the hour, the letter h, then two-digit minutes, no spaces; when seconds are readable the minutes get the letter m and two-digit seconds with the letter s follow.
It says 3h14m09s
